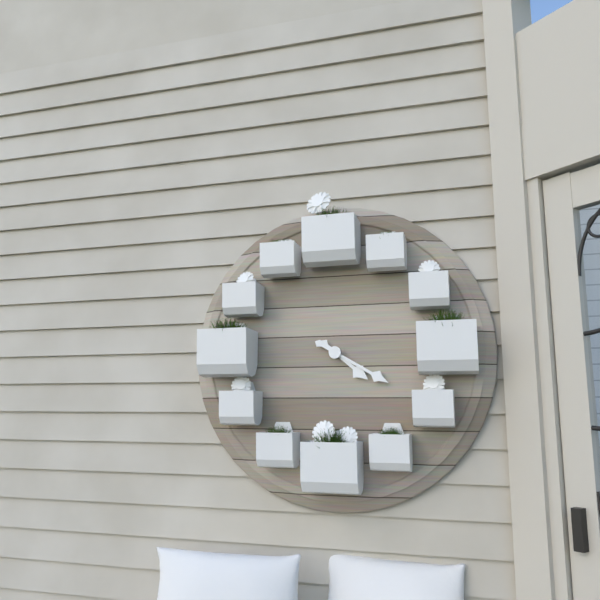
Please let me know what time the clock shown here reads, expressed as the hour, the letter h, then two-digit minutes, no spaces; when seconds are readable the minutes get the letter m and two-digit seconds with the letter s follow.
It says 4h20
